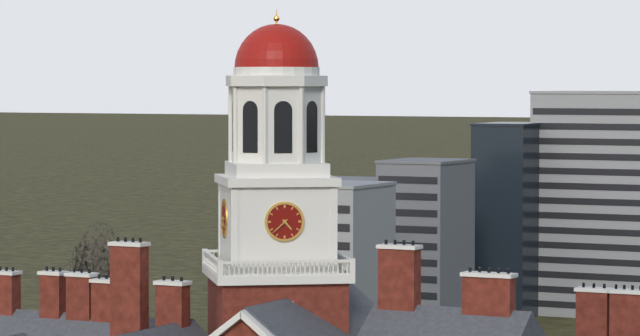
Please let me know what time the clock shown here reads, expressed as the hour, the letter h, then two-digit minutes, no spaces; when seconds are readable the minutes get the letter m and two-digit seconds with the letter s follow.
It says 4h38
